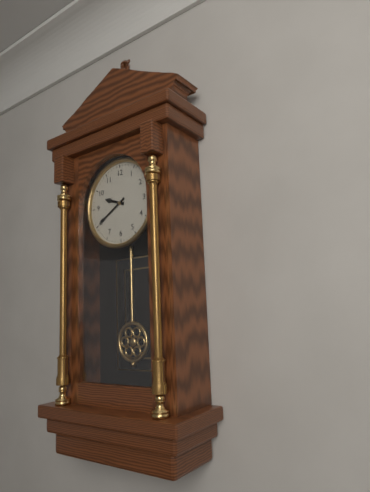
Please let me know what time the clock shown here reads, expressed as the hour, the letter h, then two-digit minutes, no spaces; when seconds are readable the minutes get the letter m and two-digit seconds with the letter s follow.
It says 9h40
